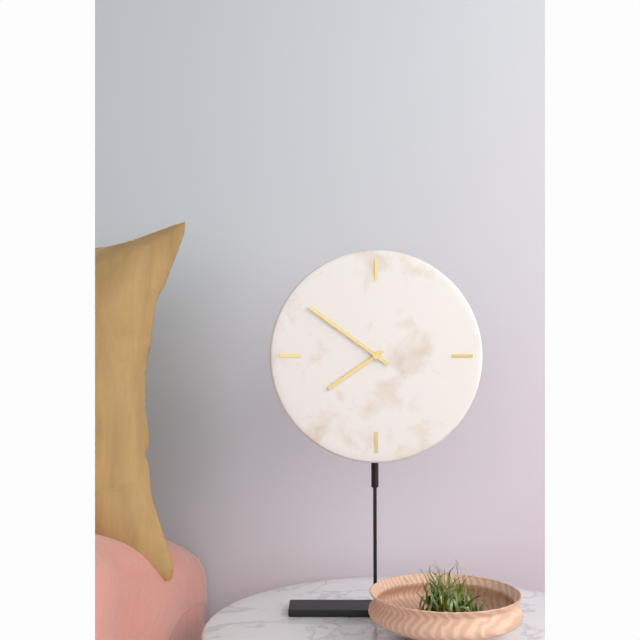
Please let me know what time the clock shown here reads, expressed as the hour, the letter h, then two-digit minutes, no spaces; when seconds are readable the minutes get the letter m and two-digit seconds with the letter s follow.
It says 7h51
